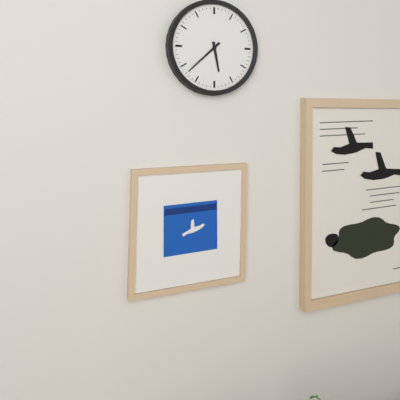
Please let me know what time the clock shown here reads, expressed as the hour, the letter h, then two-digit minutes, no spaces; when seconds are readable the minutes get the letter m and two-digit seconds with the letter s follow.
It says 5h38
